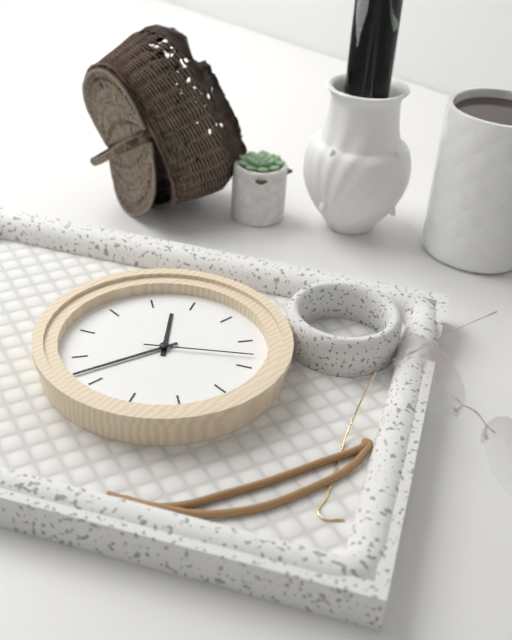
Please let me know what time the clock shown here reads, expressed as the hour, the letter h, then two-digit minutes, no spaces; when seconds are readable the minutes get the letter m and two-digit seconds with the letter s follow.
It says 10h32m08s
